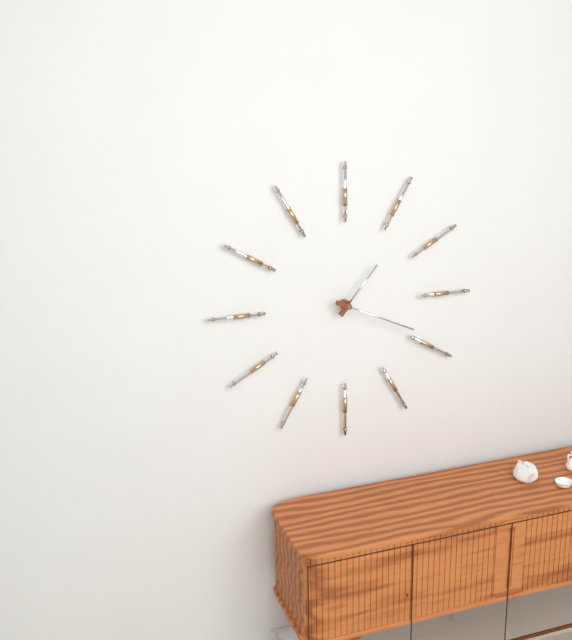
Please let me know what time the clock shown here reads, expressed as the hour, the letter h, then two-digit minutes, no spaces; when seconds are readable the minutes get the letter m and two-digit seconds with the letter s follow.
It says 1h19
